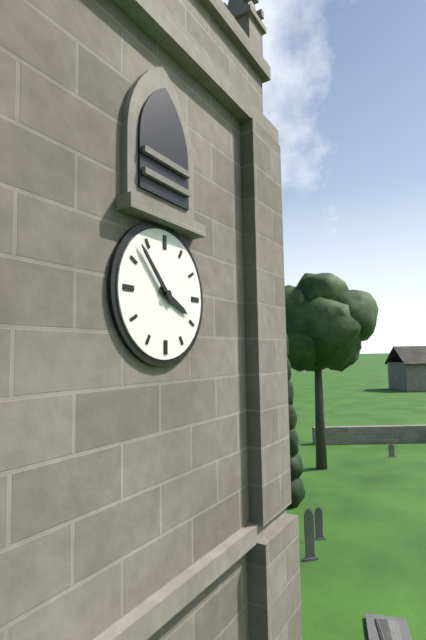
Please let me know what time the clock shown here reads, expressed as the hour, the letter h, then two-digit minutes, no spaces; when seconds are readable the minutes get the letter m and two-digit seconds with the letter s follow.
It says 3h53
